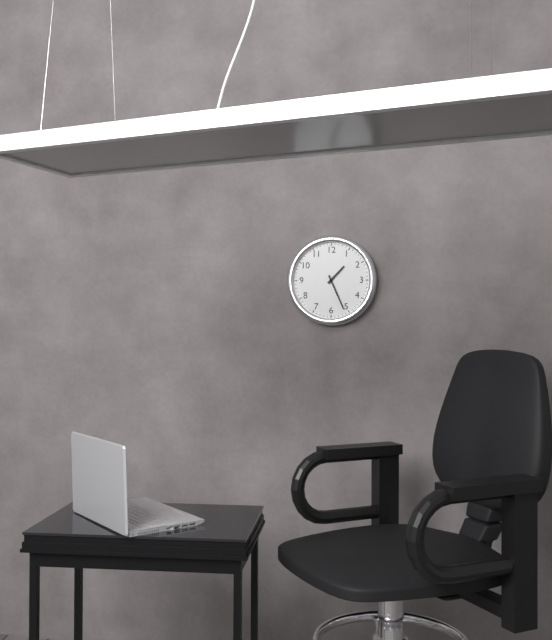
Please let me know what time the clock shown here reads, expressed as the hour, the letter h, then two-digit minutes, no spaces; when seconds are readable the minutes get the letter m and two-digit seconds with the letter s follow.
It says 1h26
